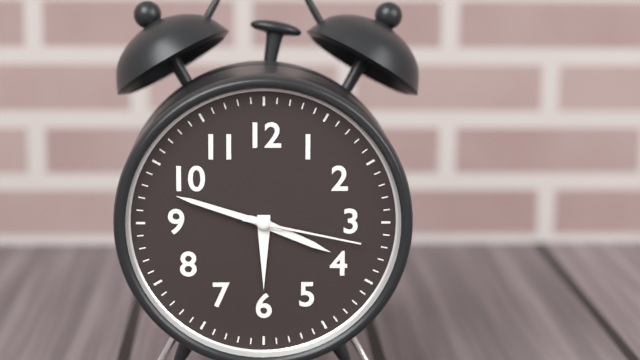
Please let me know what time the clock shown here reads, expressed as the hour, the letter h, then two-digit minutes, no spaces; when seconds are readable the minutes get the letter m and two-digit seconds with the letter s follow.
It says 3h48m17s
